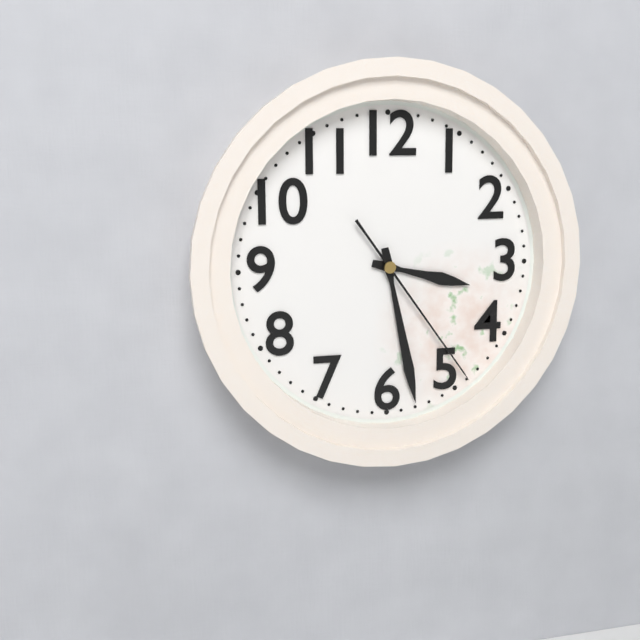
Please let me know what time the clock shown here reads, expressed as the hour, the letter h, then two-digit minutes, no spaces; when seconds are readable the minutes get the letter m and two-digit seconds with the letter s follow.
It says 3h28m24s
